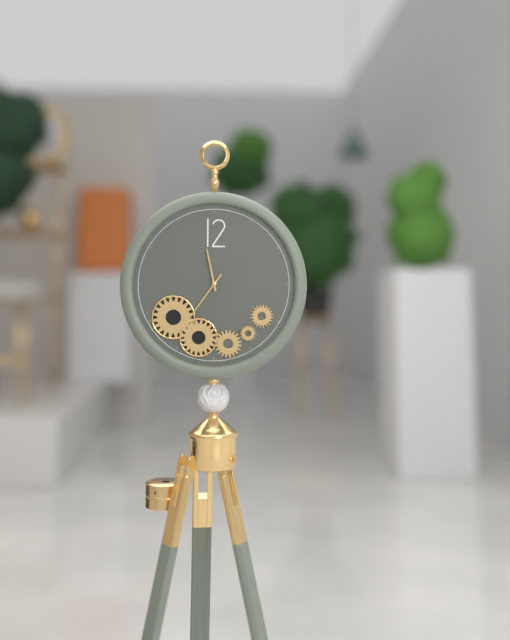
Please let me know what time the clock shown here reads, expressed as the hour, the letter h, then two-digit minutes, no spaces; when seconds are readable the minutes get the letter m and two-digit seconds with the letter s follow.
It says 11h36
